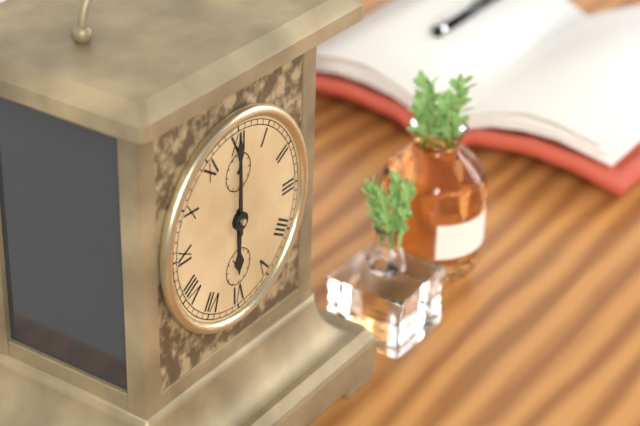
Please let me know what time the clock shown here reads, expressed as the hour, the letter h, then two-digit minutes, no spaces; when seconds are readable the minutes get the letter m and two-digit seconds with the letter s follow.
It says 6h00
